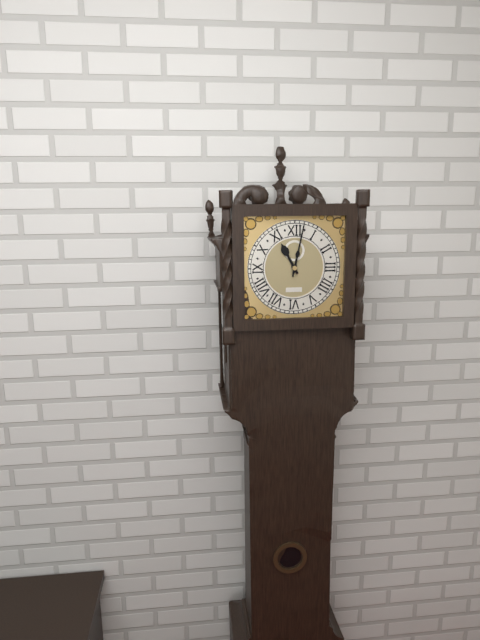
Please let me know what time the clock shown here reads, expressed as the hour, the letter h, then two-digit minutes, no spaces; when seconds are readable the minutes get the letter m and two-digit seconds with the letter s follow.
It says 11h02
